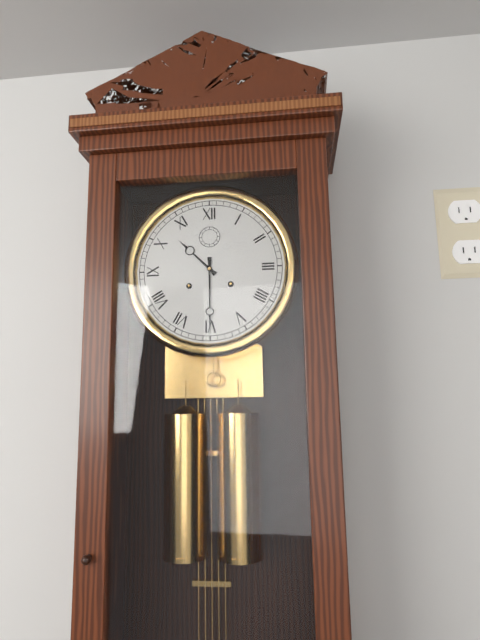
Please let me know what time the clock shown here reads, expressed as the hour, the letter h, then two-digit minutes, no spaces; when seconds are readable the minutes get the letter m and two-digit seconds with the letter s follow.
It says 10h30
